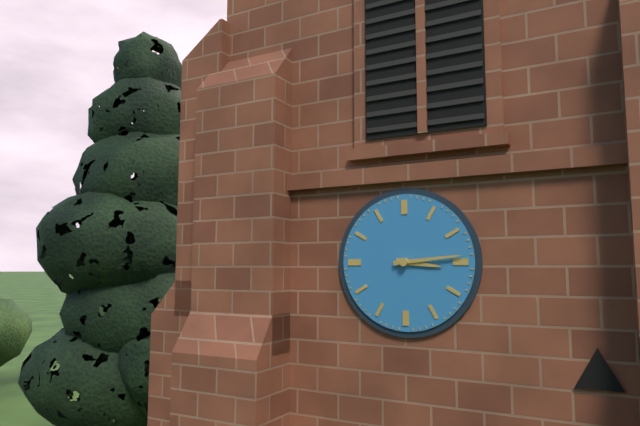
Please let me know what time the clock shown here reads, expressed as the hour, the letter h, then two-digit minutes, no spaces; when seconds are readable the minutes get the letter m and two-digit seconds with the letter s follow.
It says 3h14
